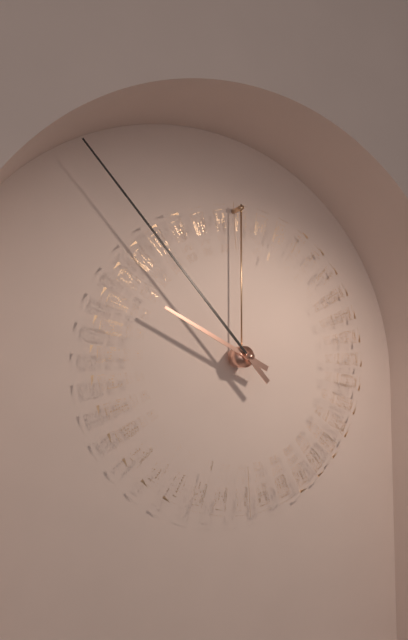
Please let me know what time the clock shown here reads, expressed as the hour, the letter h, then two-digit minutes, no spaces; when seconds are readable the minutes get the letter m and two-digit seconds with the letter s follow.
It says 9h53
